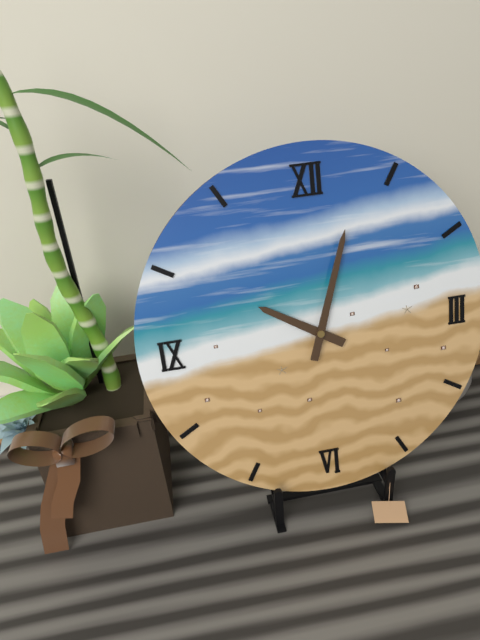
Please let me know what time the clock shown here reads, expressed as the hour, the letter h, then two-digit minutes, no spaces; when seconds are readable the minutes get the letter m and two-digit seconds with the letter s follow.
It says 10h03
